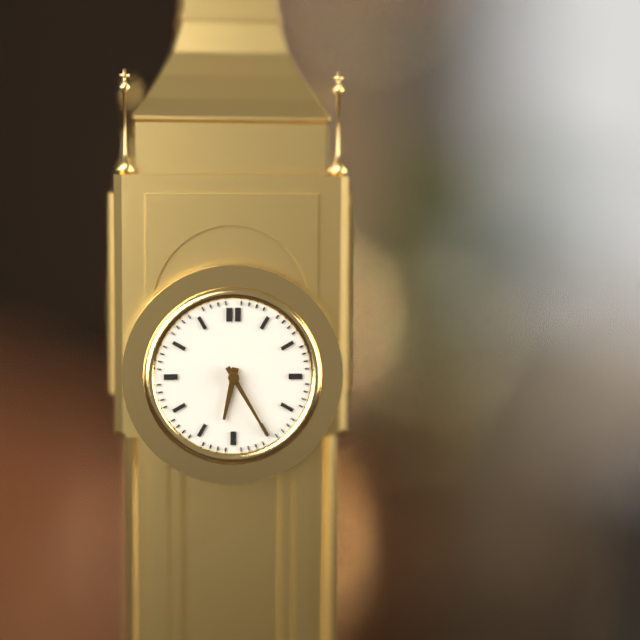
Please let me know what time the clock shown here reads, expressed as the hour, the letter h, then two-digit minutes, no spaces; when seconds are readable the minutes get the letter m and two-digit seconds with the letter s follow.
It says 6h25
